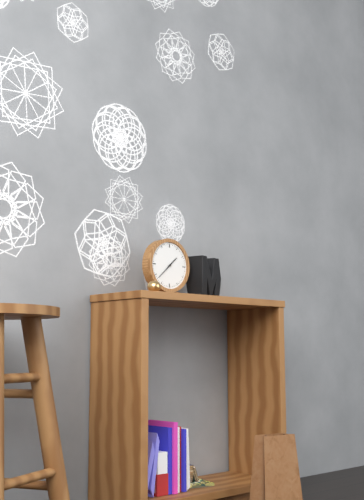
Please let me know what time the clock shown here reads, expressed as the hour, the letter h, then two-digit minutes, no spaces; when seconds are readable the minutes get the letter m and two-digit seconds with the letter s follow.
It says 1h38
